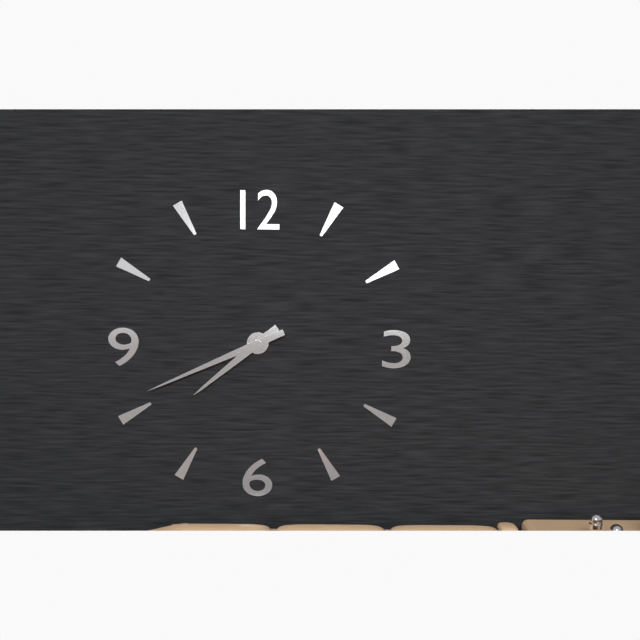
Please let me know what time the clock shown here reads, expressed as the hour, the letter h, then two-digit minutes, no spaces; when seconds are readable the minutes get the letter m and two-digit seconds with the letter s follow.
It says 7h41
